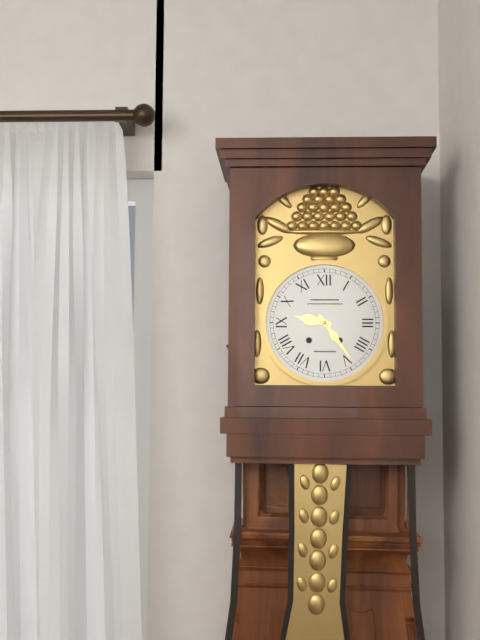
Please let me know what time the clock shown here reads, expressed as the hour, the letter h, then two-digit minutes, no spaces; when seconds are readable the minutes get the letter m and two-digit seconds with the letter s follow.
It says 9h24
